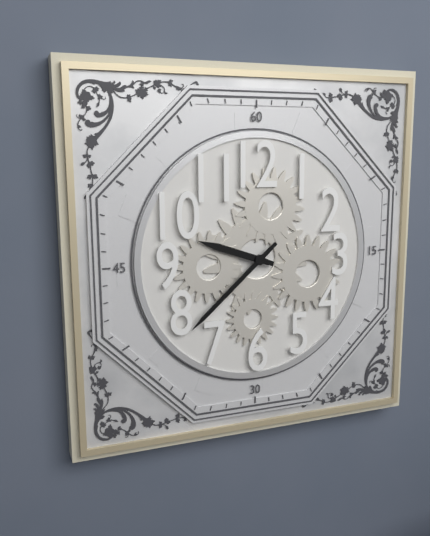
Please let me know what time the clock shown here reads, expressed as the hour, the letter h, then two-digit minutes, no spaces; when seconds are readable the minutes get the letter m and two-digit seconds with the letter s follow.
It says 9h38
